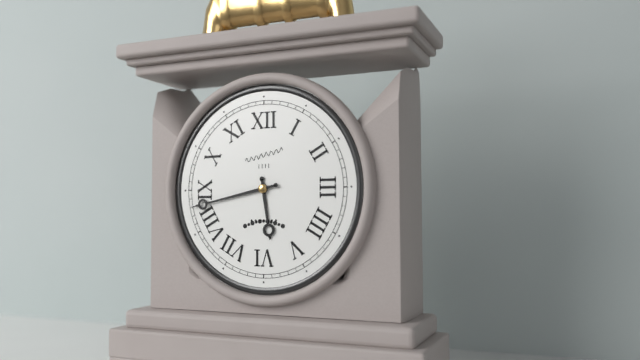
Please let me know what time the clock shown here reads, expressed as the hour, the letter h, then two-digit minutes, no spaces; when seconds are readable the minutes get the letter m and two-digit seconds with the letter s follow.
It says 5h43
